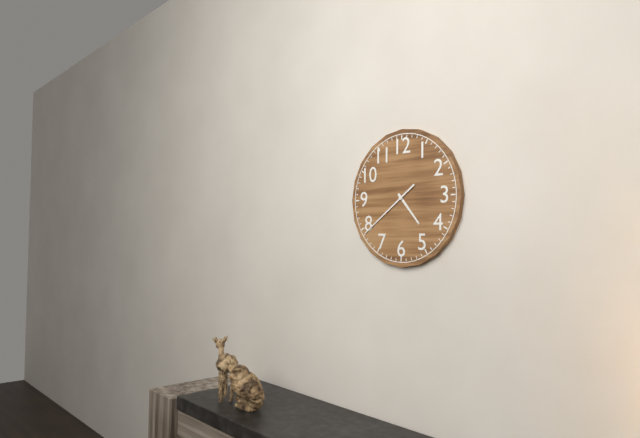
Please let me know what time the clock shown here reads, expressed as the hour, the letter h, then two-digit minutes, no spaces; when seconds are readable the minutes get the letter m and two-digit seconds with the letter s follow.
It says 4h39
